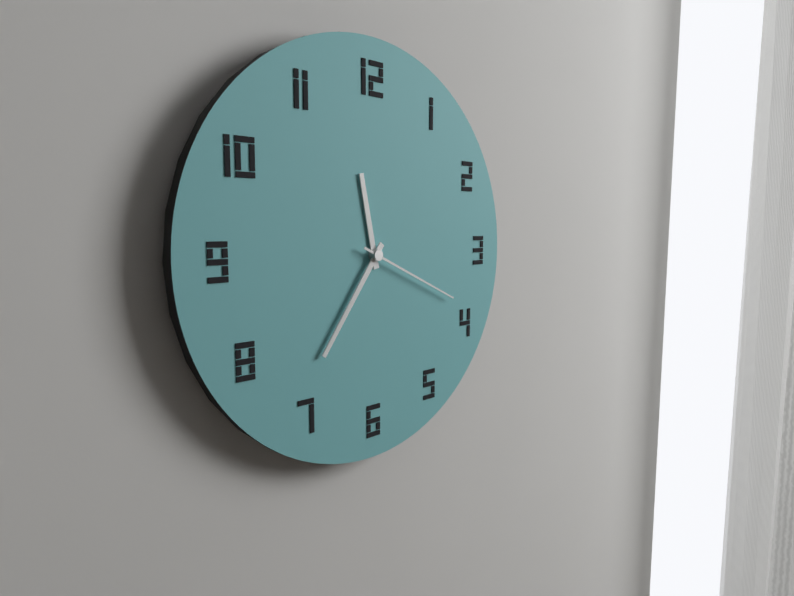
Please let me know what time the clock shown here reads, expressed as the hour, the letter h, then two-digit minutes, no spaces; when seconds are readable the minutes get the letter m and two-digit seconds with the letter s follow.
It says 11h36m19s
